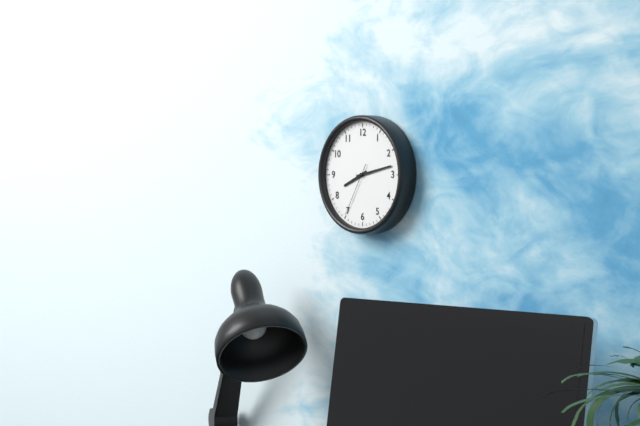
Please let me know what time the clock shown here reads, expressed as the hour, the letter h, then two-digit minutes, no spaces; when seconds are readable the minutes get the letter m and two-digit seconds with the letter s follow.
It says 8h13m35s
